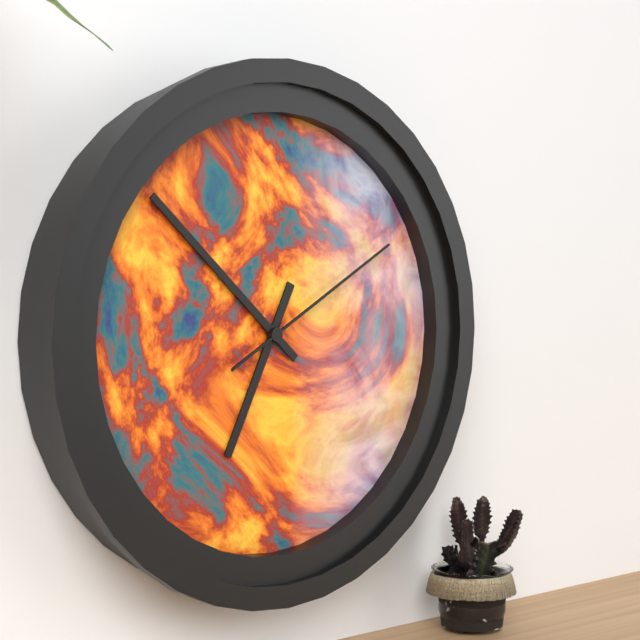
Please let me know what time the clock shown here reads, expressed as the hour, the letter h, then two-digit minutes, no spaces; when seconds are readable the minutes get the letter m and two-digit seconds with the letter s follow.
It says 6h52m10s
